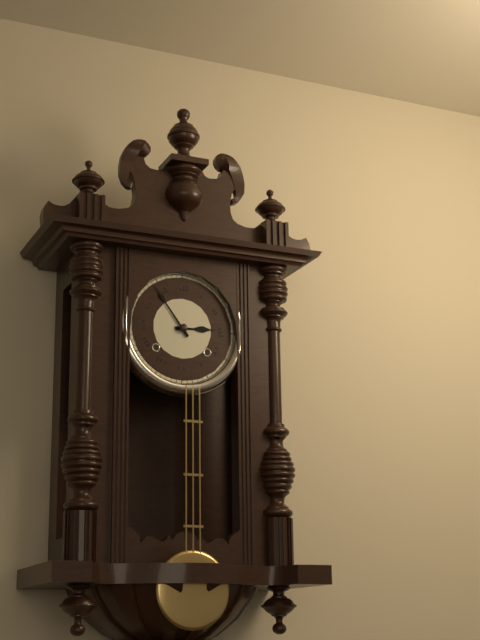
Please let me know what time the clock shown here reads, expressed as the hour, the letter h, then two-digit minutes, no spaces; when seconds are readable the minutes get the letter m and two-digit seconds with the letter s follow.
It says 2h54
